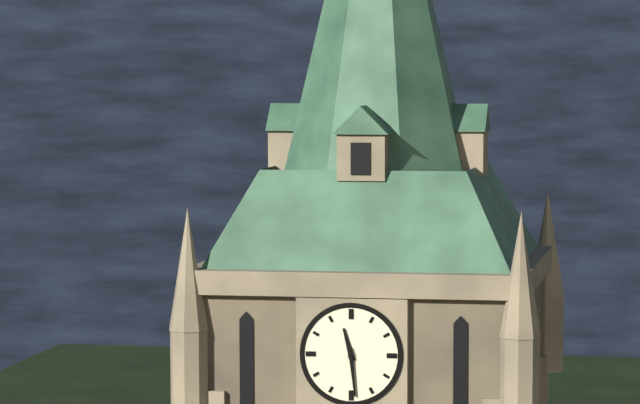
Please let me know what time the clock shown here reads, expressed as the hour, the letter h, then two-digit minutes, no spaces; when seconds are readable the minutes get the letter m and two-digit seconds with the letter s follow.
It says 11h29
